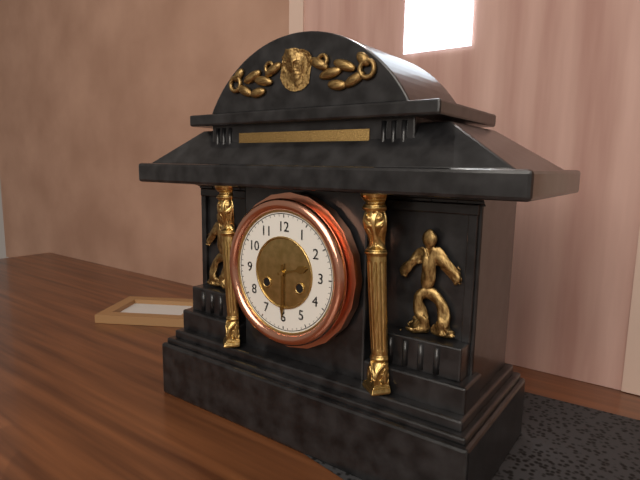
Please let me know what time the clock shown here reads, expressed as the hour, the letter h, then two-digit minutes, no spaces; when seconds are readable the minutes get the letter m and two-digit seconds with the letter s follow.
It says 2h30
